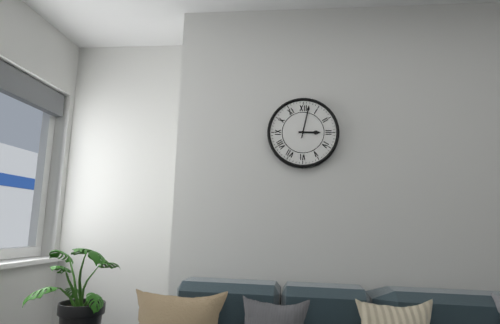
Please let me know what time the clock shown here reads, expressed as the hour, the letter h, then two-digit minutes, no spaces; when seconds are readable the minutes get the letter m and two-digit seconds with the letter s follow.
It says 3h02
